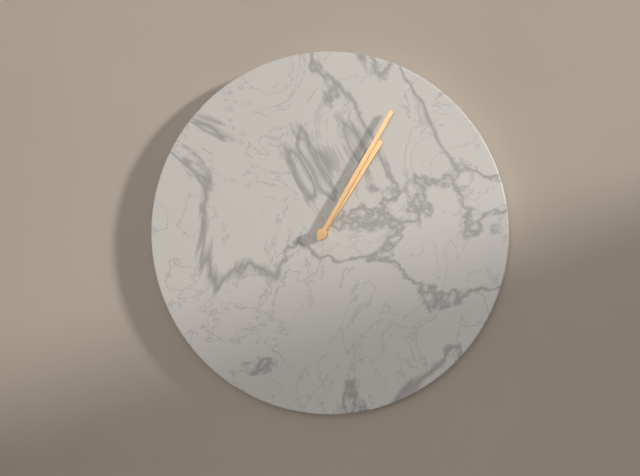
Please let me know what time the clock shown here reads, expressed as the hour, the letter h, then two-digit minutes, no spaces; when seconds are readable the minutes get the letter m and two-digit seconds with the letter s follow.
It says 1h05
